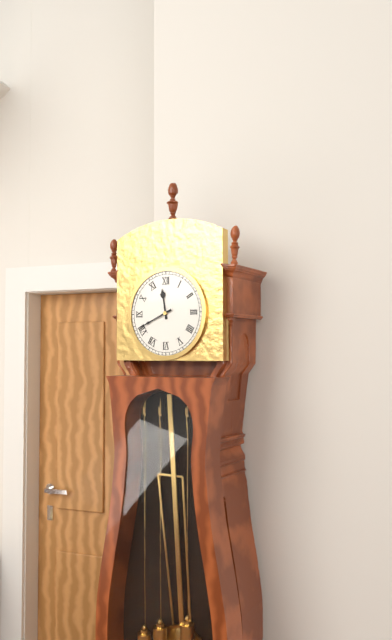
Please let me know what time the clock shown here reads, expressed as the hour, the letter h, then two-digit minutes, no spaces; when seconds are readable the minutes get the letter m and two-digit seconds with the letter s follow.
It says 11h41
